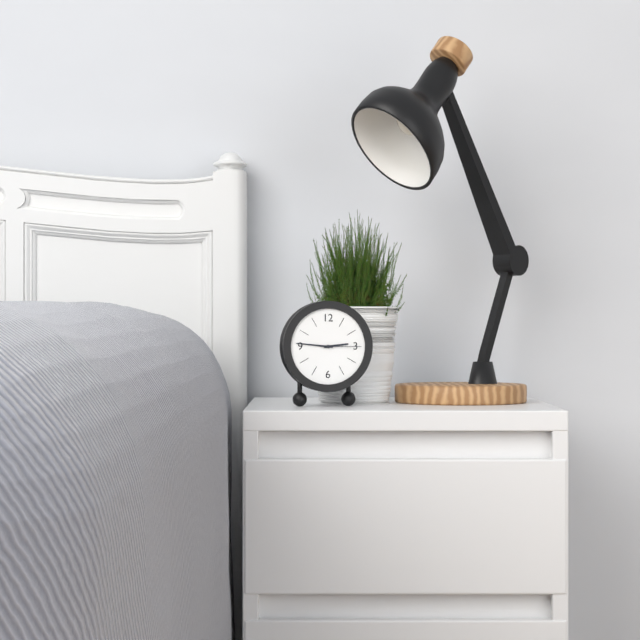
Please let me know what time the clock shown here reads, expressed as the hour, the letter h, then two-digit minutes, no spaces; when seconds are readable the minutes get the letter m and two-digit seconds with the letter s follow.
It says 2h46
